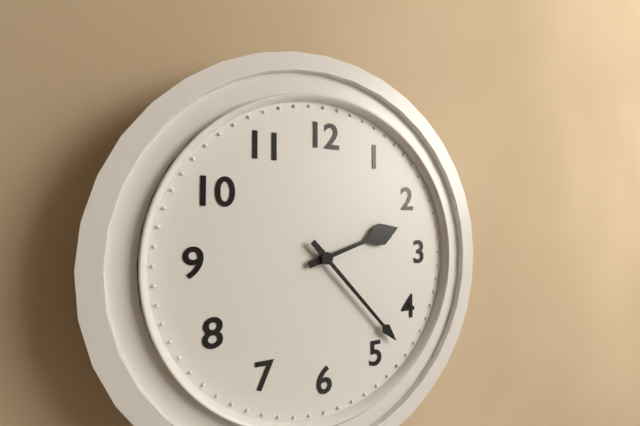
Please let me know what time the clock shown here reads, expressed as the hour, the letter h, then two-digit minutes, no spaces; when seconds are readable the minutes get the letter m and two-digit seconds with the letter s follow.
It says 2h23
